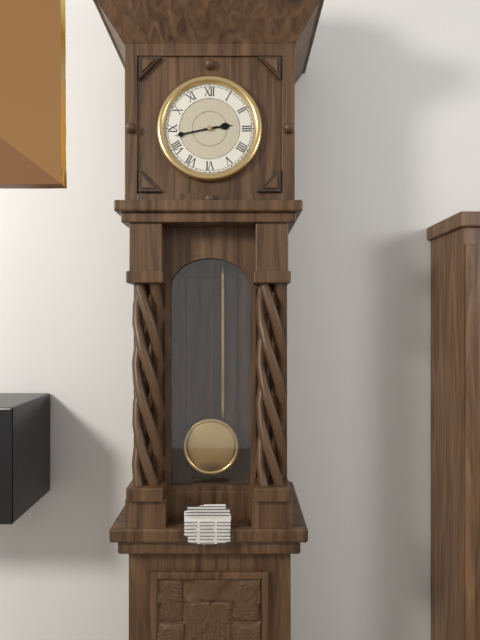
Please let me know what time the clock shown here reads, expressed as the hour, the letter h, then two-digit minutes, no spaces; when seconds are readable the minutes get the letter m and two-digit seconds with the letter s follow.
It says 2h43
